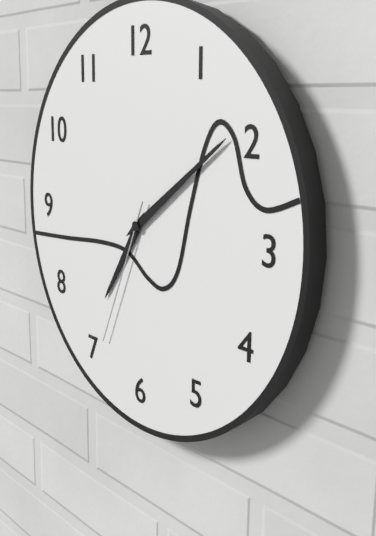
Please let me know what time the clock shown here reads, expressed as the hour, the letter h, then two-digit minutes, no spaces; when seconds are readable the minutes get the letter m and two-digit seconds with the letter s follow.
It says 7h09m34s
